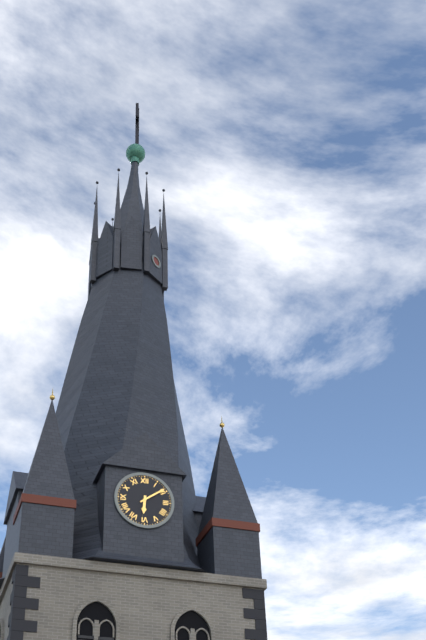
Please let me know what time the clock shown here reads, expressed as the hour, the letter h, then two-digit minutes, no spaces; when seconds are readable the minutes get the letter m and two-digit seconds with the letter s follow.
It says 6h09
